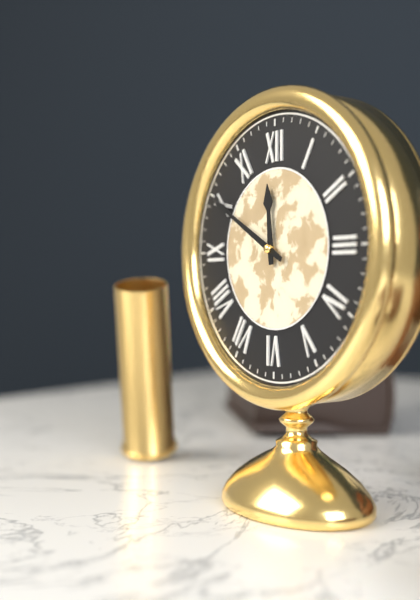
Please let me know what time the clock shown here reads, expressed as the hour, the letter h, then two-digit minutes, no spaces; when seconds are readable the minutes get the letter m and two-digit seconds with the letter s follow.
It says 11h50
